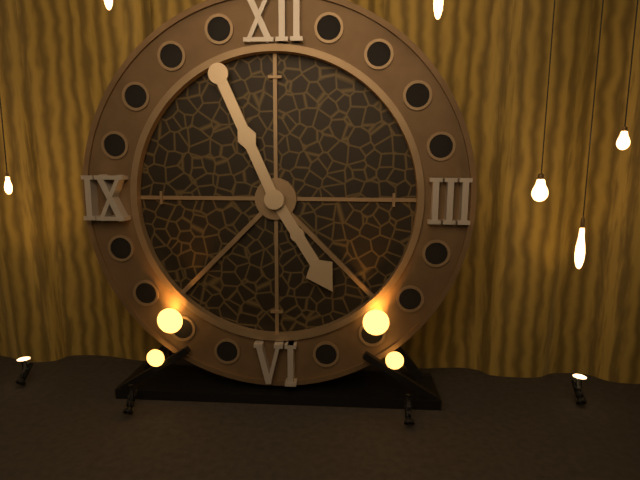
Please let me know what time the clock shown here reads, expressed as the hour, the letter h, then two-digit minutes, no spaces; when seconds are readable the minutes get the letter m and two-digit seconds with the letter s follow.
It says 4h56
